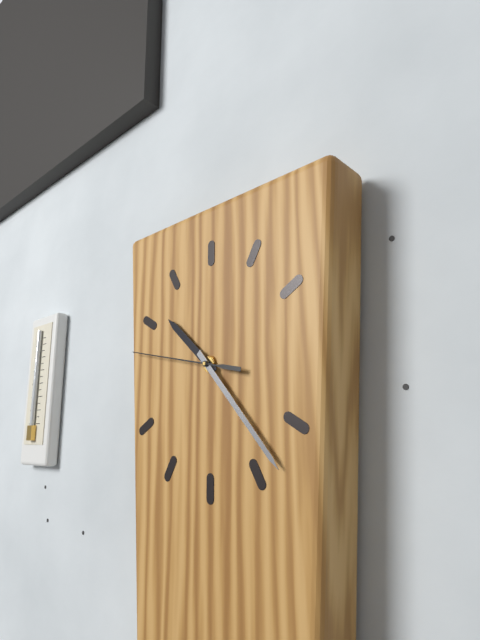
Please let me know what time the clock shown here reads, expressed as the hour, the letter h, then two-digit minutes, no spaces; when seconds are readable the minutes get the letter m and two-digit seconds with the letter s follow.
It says 10h23m47s
